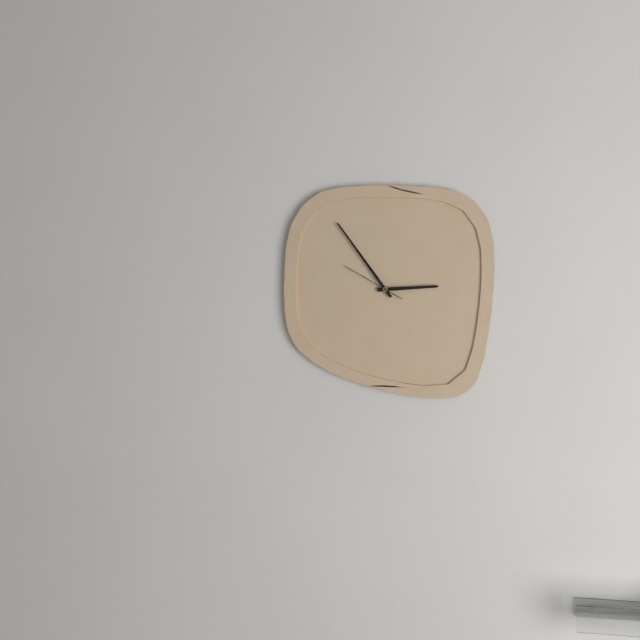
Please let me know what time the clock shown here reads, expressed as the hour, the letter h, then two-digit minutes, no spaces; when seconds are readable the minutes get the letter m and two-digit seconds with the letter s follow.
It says 2h54m50s
